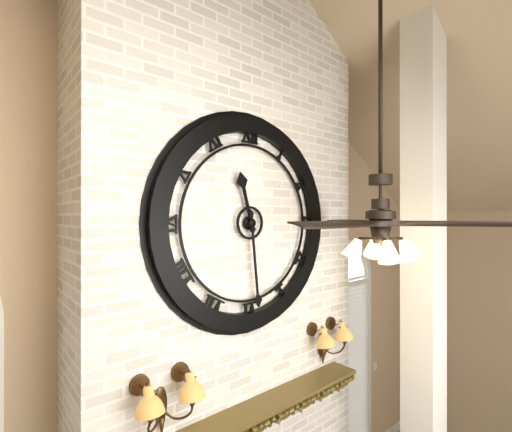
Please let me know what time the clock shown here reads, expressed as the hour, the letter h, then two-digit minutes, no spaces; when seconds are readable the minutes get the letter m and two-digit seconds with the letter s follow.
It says 11h29
